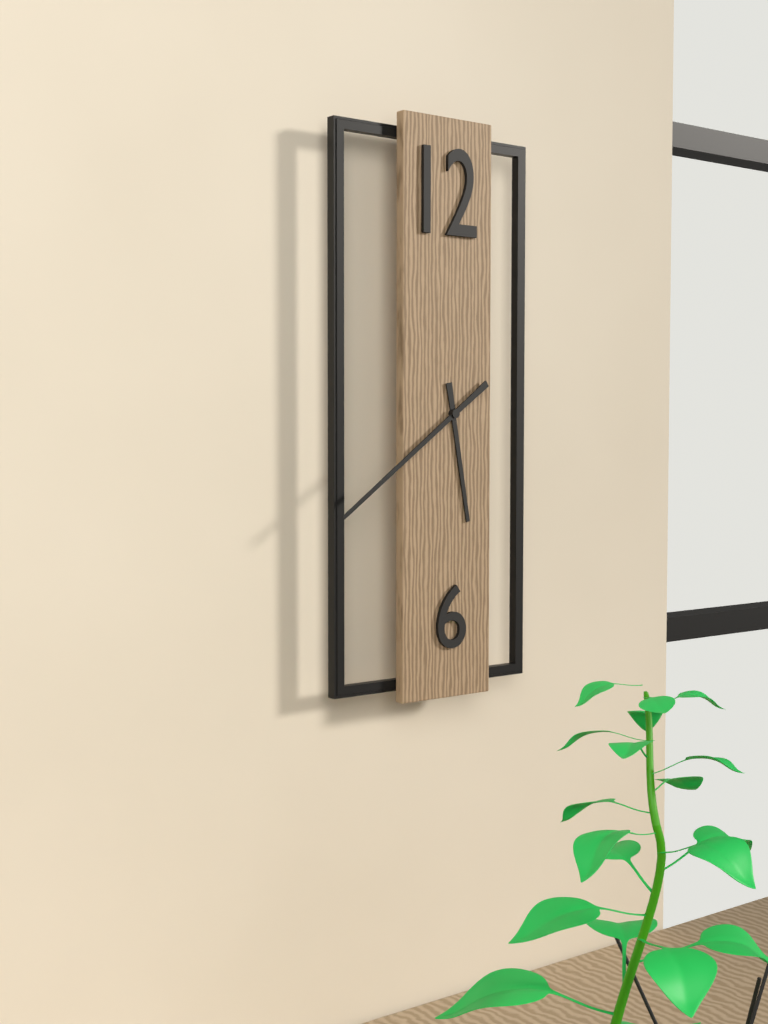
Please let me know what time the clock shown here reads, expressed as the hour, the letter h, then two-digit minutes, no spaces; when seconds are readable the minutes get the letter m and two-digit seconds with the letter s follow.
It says 5h39
